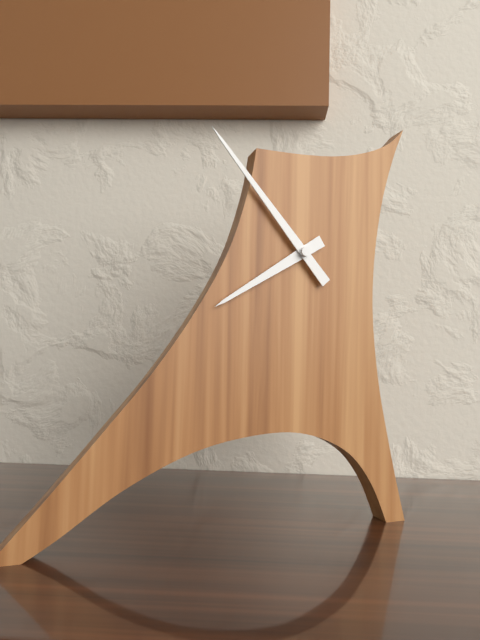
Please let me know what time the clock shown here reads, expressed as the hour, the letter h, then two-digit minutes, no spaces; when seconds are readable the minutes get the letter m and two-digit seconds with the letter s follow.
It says 7h53
